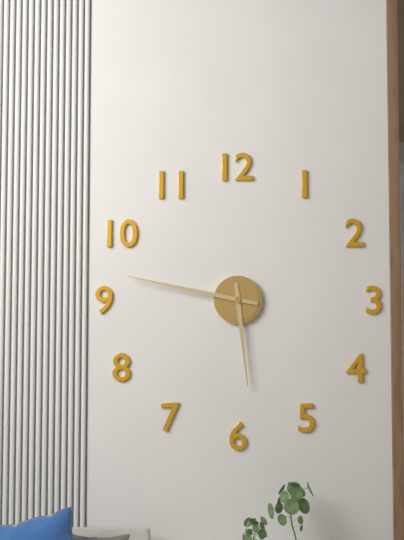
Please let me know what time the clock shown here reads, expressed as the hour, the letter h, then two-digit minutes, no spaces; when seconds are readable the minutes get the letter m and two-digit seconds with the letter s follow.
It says 5h47
